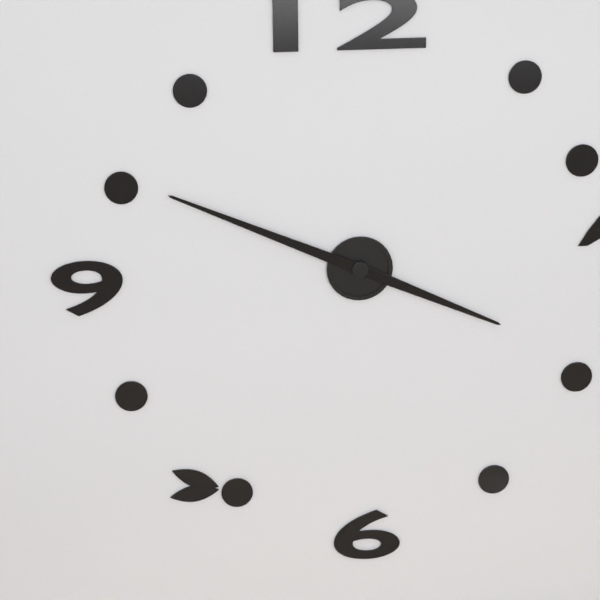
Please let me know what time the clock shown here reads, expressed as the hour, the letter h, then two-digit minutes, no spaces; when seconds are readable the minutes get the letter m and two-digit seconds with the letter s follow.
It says 3h49
